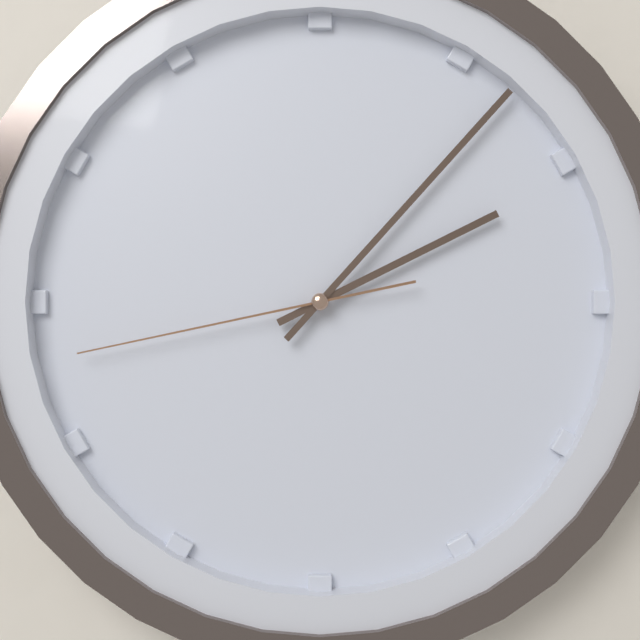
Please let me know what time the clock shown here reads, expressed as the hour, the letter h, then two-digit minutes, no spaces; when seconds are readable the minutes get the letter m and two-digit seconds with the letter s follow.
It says 2h07m43s
